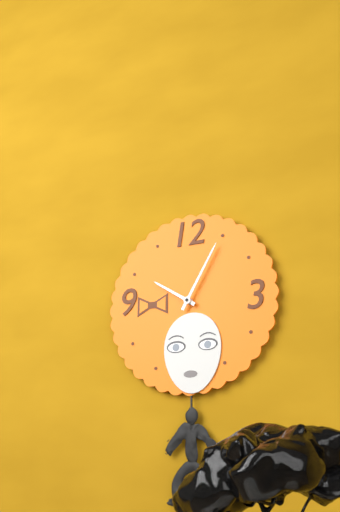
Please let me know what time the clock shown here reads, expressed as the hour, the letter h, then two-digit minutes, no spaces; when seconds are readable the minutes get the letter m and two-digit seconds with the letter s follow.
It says 10h05
